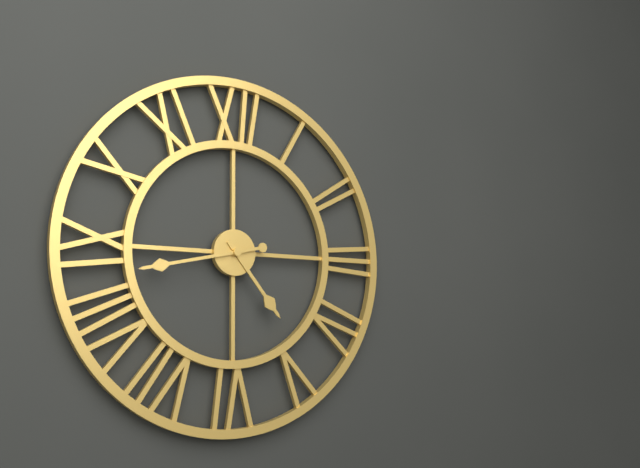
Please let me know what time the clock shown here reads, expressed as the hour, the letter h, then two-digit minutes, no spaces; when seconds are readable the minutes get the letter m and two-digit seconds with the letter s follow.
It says 4h43
